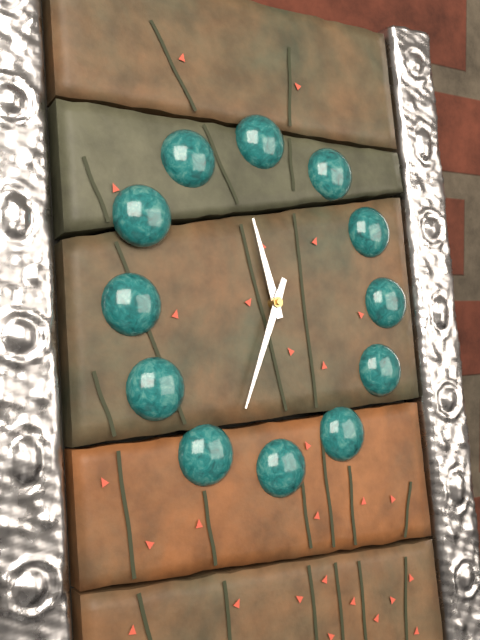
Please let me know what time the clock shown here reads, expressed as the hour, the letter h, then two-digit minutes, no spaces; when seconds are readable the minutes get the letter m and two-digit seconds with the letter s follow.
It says 11h34
